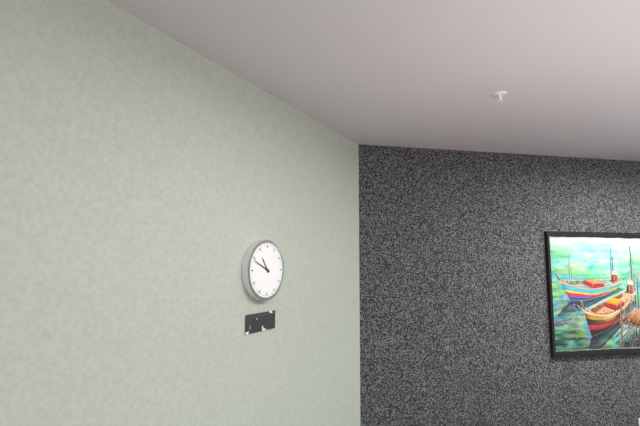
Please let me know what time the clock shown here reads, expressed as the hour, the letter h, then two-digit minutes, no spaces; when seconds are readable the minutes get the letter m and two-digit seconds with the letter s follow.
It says 10h49
